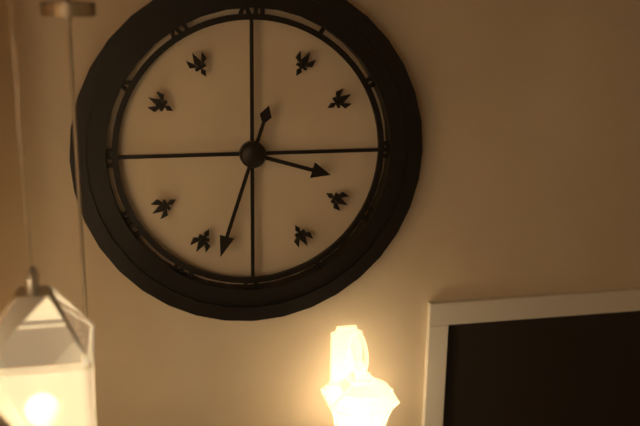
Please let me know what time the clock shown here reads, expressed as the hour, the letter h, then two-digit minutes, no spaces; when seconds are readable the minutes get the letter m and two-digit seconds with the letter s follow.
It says 3h33
